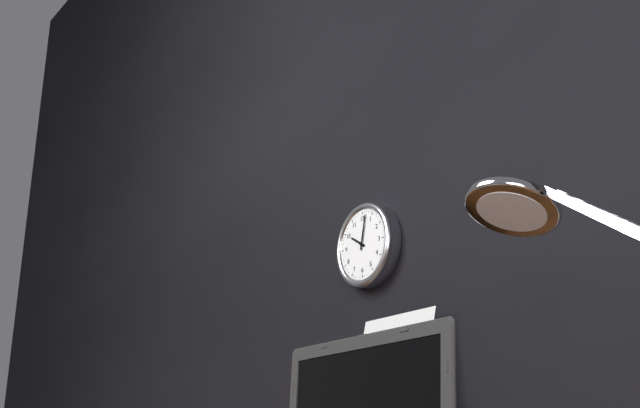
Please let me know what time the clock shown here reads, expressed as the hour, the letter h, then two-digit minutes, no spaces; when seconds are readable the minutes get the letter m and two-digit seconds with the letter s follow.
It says 10h02
